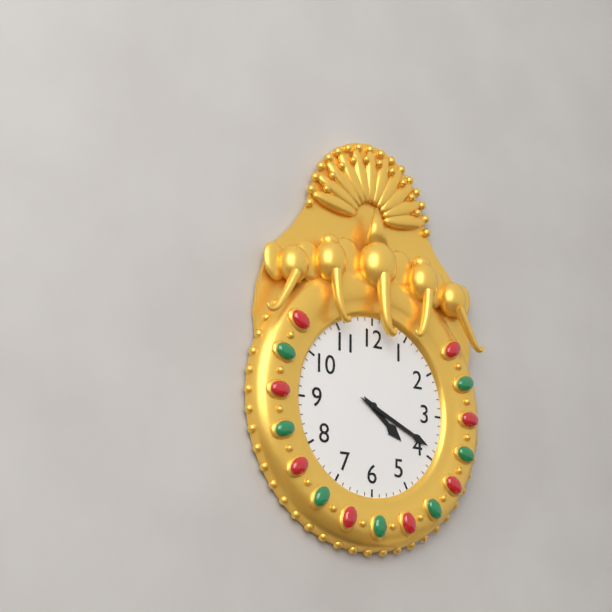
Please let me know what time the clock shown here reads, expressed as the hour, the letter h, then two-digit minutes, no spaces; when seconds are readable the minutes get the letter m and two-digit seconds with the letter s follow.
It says 4h19
